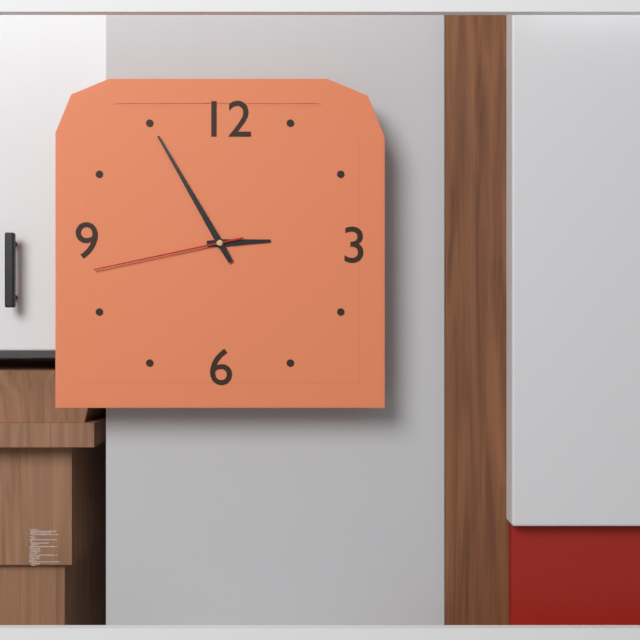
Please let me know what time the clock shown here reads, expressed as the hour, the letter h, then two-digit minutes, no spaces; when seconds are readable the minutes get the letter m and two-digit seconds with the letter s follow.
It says 2h55m43s
